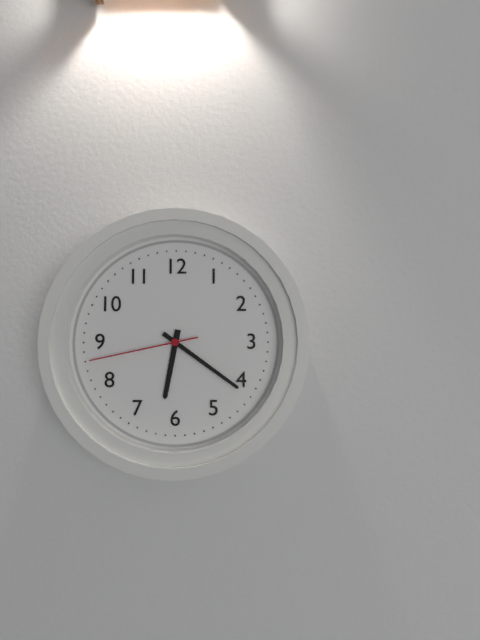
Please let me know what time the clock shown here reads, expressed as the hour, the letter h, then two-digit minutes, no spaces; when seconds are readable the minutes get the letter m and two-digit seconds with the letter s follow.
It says 6h21m43s
